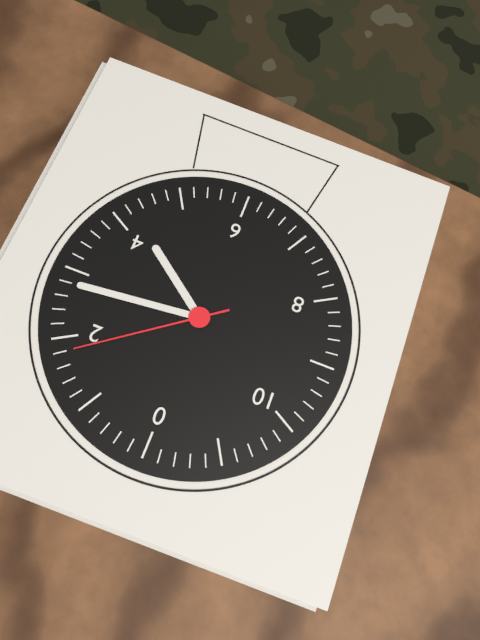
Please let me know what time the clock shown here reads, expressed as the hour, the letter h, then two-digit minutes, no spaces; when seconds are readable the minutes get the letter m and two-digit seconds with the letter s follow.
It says 4h14m09s
